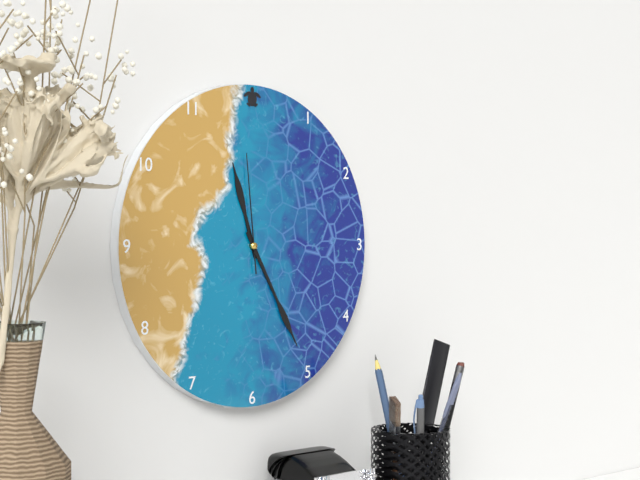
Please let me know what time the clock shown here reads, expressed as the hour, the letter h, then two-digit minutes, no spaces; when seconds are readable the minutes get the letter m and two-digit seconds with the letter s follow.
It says 11h25m59s
